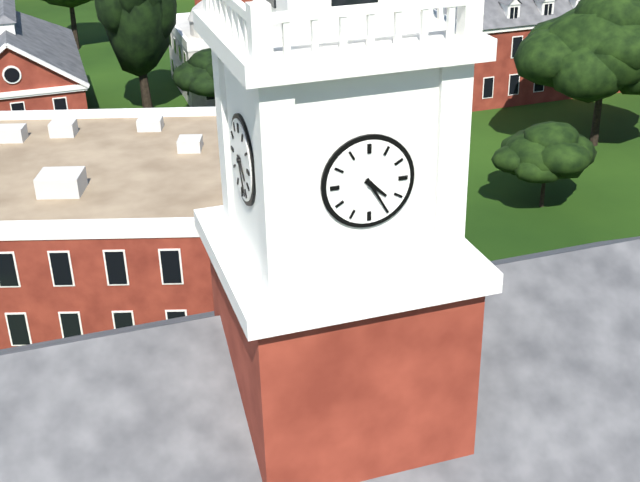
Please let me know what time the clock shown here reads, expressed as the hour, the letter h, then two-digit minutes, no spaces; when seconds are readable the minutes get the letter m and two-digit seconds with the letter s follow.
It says 4h25
